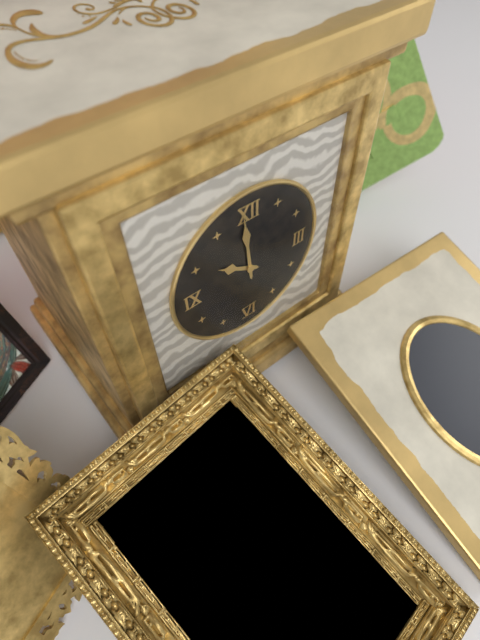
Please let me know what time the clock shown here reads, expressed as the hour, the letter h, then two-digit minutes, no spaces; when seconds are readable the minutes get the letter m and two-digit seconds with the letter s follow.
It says 9h59
